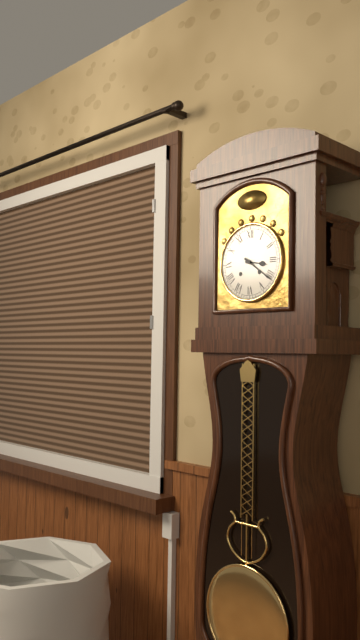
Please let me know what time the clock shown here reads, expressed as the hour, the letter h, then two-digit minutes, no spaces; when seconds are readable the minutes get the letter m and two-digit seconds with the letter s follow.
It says 3h21
